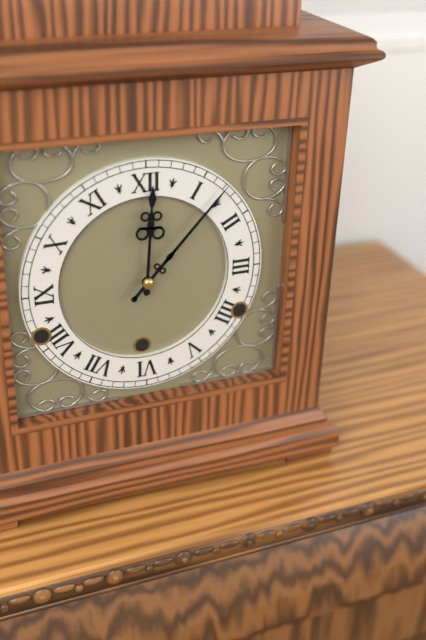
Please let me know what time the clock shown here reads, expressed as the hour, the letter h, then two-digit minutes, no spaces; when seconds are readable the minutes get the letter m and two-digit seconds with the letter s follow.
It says 12h07
